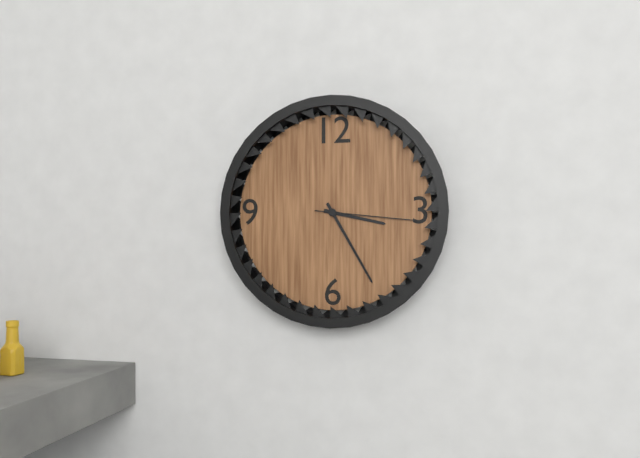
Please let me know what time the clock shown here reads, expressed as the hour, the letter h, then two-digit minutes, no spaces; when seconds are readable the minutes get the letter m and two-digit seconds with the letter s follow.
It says 3h25m16s
